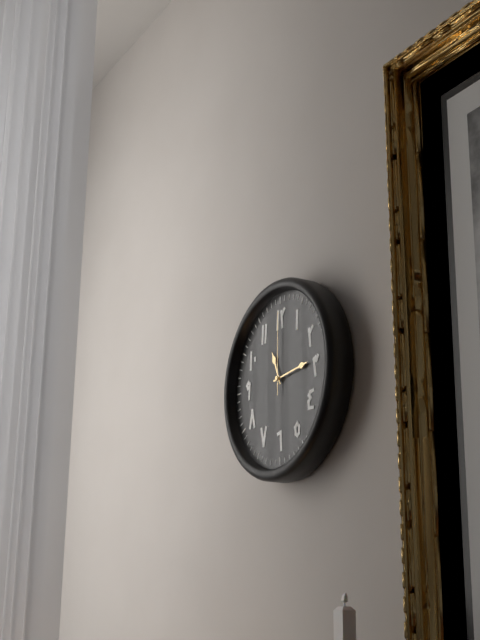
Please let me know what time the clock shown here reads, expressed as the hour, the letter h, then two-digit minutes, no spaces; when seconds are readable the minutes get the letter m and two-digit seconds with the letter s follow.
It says 11h14m00s
